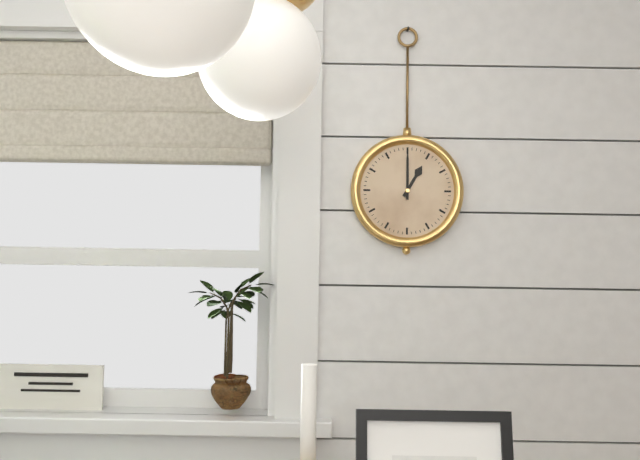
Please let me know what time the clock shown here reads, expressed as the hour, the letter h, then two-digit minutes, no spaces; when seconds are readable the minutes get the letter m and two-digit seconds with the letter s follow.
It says 1h00
